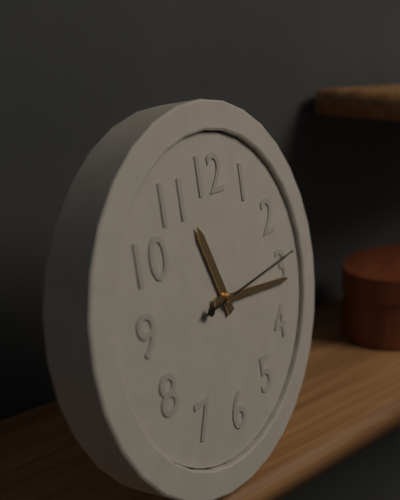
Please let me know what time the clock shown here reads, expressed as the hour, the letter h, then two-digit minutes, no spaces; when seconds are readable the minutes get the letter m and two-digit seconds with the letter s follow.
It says 11h16m14s
